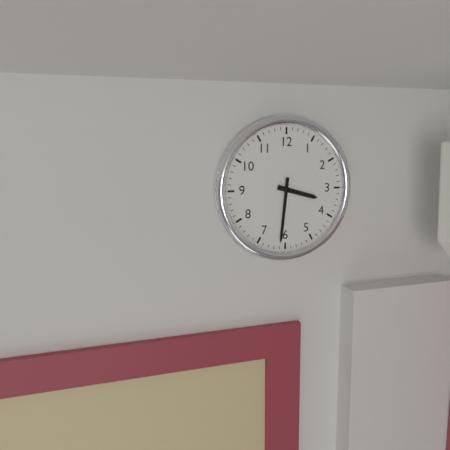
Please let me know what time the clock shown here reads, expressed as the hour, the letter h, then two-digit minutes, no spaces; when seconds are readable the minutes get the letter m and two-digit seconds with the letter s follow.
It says 3h31
